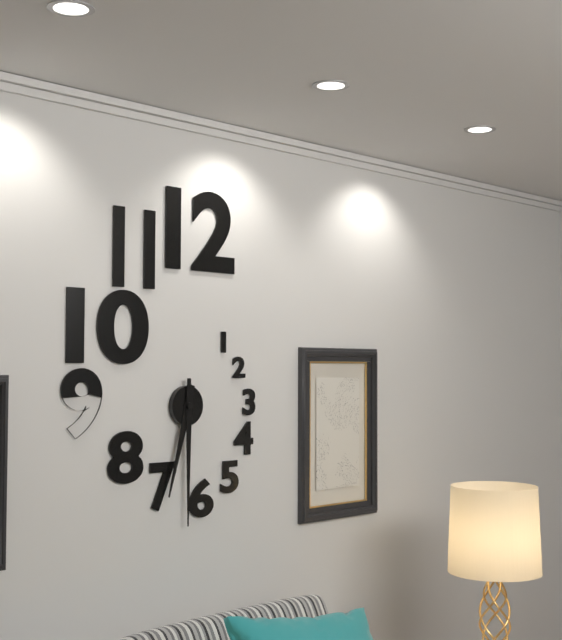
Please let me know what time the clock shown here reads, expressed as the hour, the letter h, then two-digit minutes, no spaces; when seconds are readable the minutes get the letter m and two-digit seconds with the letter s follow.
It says 6h30
